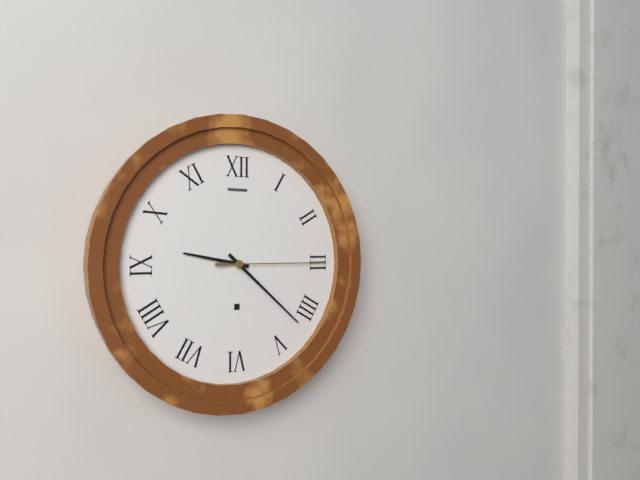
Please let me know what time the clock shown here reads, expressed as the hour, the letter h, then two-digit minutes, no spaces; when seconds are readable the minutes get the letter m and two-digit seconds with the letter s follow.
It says 9h22m15s
